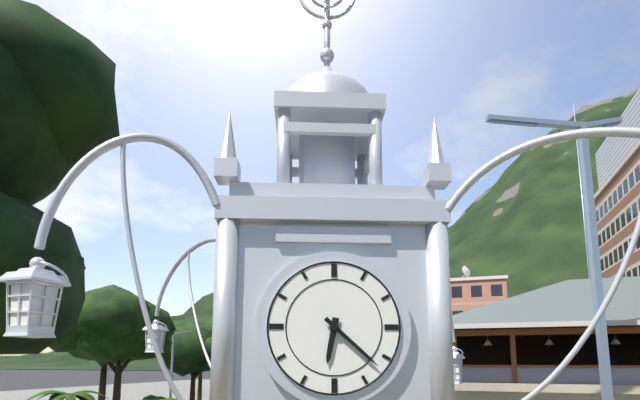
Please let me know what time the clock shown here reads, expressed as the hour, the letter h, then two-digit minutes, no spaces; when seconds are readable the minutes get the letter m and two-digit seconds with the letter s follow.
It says 6h22
